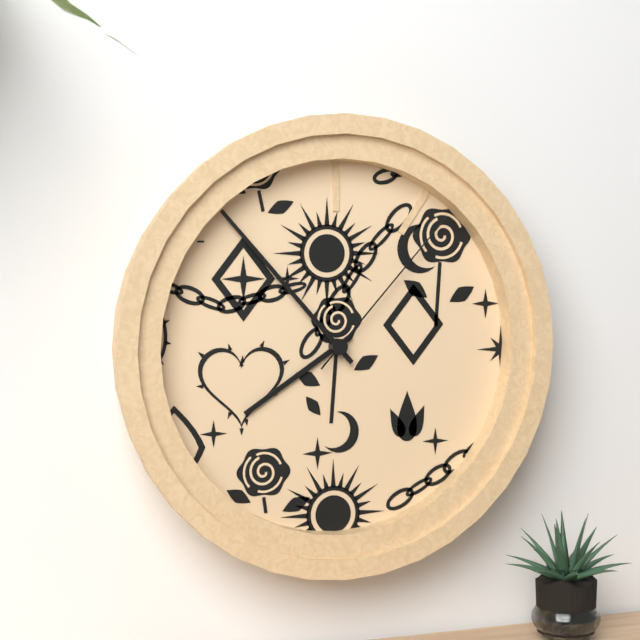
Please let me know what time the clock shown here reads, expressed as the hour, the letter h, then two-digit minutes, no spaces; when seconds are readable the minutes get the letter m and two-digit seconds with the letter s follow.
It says 7h53m07s
